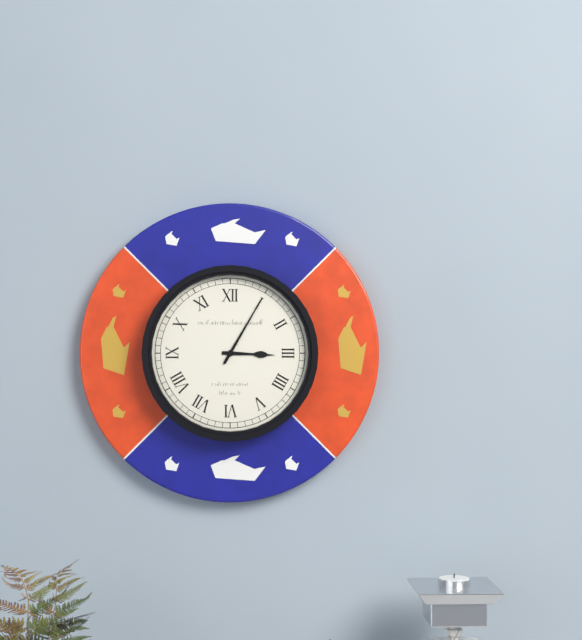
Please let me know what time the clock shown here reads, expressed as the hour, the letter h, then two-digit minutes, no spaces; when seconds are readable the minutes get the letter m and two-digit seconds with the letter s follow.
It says 3h05
